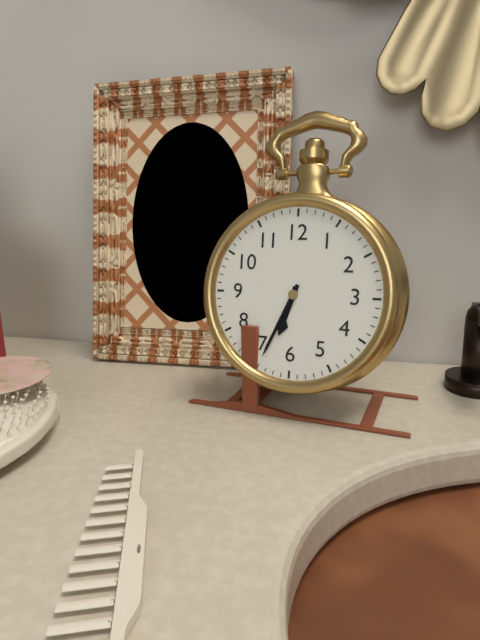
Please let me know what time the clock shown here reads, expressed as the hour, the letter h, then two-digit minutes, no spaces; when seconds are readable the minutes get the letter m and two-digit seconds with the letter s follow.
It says 6h34
